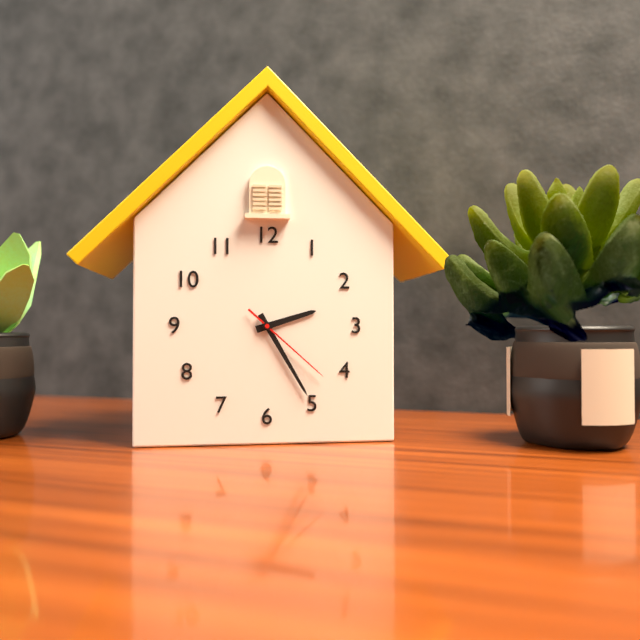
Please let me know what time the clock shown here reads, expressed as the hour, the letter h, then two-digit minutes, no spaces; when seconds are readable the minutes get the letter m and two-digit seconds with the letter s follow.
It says 2h25m22s
